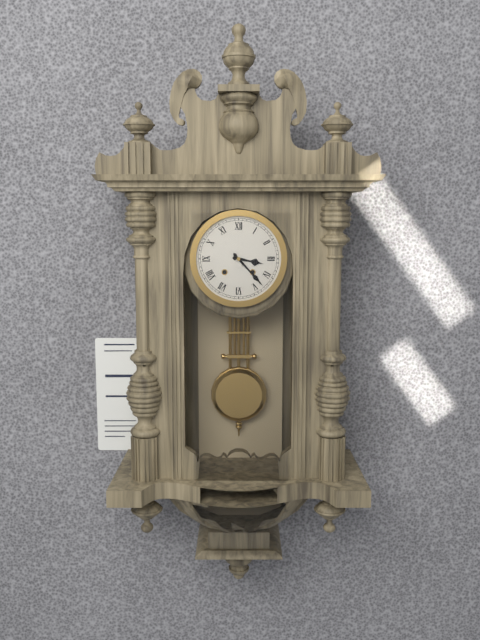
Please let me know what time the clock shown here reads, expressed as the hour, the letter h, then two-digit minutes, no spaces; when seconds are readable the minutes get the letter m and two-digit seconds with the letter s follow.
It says 3h23
